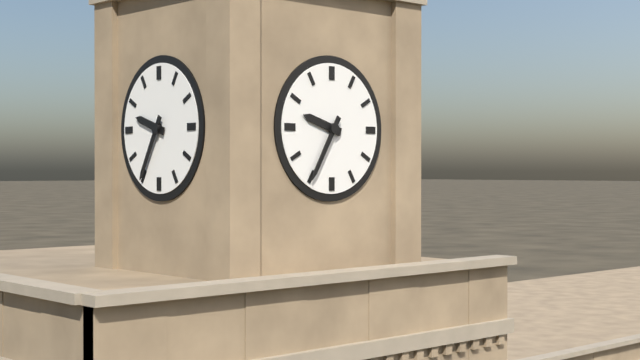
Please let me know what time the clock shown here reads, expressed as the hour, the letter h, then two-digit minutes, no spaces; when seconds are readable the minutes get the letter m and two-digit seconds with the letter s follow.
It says 9h35
